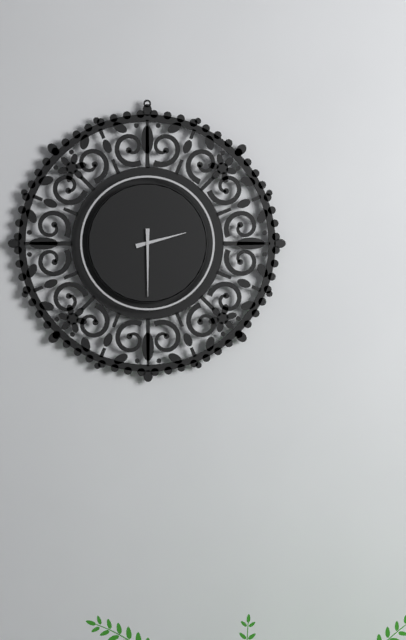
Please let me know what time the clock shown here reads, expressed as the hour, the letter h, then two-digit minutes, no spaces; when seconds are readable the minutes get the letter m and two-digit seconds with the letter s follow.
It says 2h30
